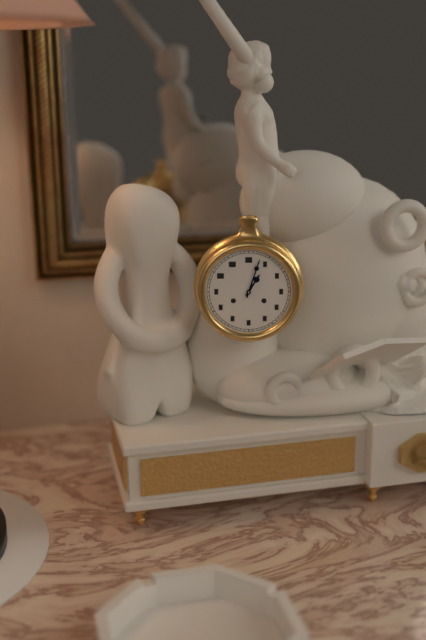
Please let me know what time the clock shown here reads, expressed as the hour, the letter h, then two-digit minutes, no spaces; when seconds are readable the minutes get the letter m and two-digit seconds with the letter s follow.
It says 1h03
